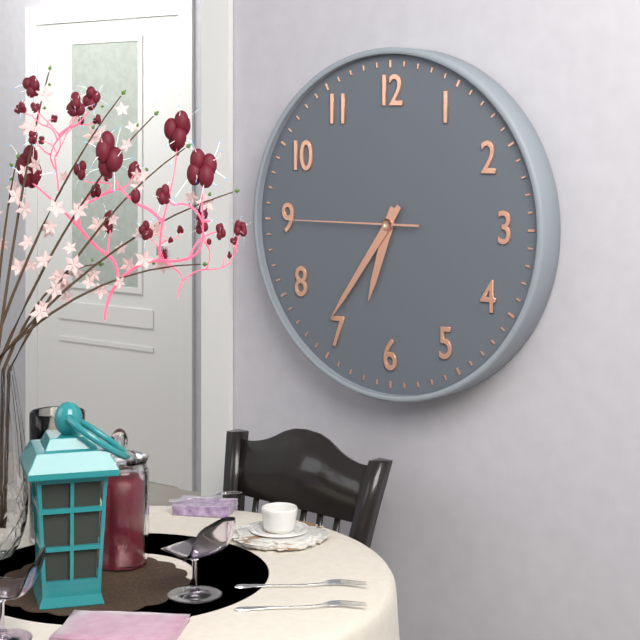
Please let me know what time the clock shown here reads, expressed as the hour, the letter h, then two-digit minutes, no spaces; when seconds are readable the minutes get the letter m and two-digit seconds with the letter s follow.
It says 6h36m45s
